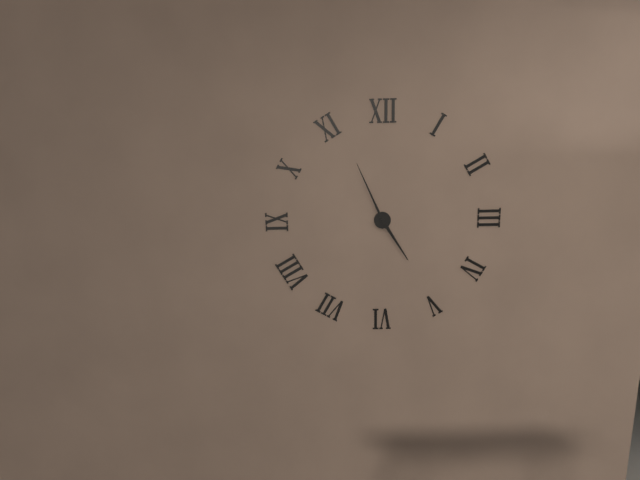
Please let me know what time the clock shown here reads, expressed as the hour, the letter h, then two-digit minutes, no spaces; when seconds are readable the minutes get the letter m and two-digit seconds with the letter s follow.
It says 4h56
